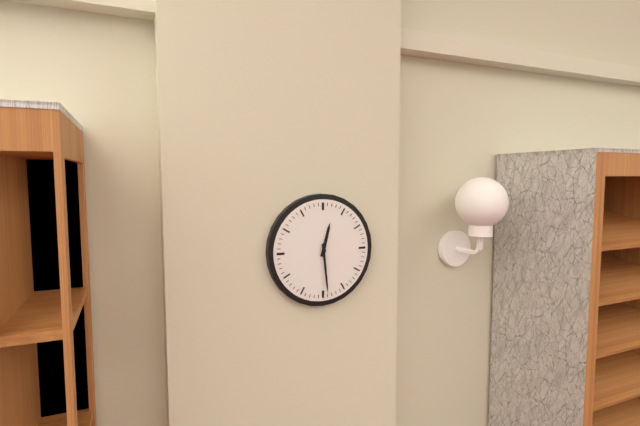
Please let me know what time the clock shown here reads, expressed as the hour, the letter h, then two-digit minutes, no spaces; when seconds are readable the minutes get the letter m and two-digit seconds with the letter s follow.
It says 12h29
